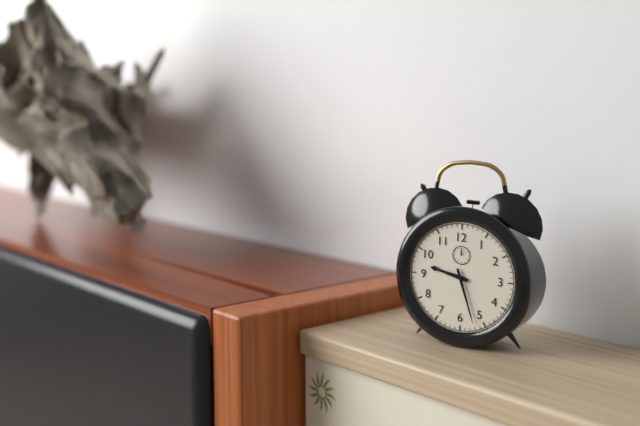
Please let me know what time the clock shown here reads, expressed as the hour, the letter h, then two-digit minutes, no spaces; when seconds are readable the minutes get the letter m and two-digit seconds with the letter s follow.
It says 9h27
